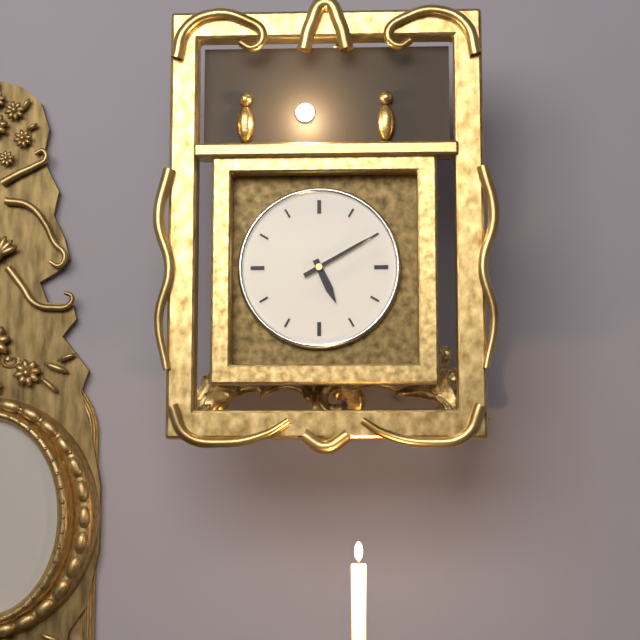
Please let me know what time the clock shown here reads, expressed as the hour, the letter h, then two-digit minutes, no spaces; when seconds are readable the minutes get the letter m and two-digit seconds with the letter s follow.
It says 5h10
